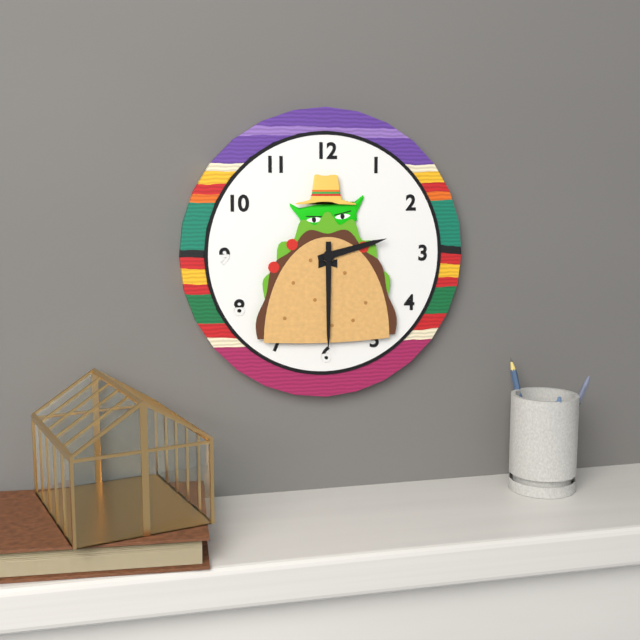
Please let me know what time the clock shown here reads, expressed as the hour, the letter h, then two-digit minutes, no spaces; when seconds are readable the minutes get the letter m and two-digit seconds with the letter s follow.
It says 2h30
